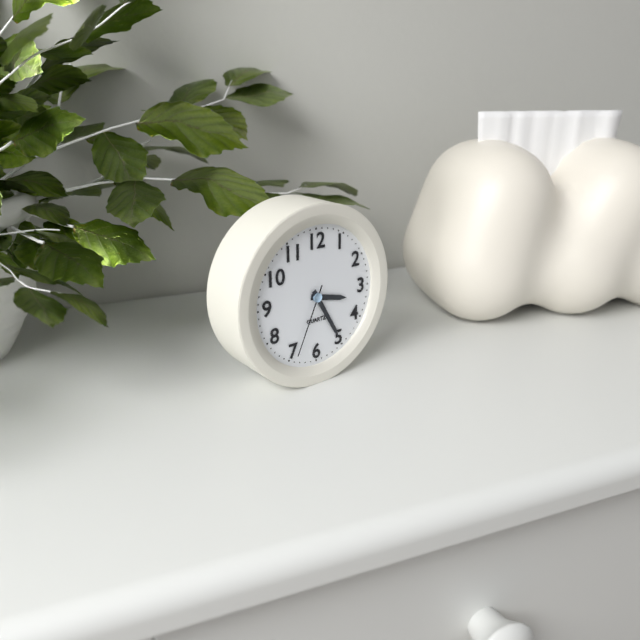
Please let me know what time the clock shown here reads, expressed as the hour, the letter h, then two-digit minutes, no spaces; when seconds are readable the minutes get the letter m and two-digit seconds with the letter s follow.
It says 3h25m34s
